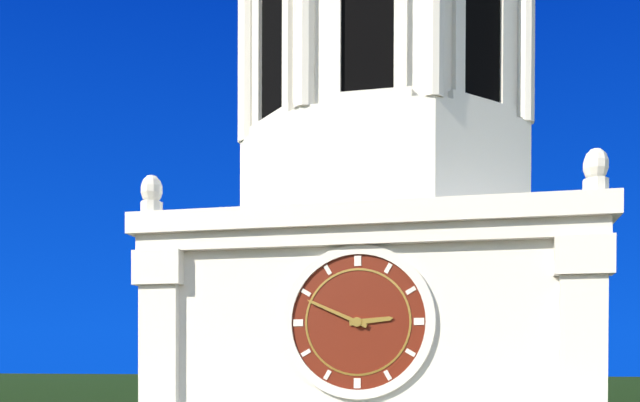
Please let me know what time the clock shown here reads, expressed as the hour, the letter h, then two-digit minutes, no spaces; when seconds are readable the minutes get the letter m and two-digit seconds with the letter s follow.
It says 2h49
